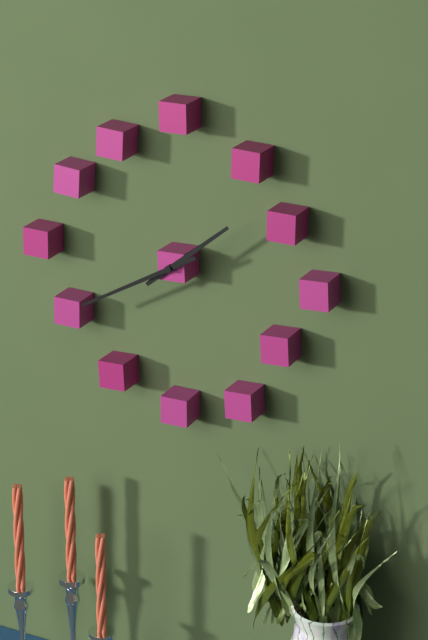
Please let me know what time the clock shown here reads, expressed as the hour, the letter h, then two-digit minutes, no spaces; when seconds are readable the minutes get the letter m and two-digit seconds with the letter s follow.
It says 1h40
